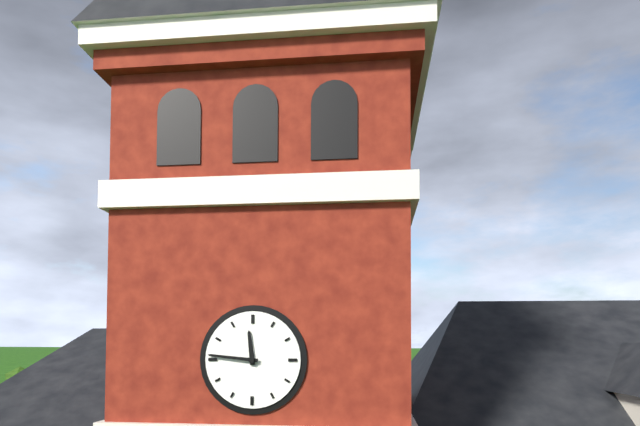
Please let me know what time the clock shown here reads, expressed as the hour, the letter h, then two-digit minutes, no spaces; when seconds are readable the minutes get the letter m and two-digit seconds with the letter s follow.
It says 11h46
